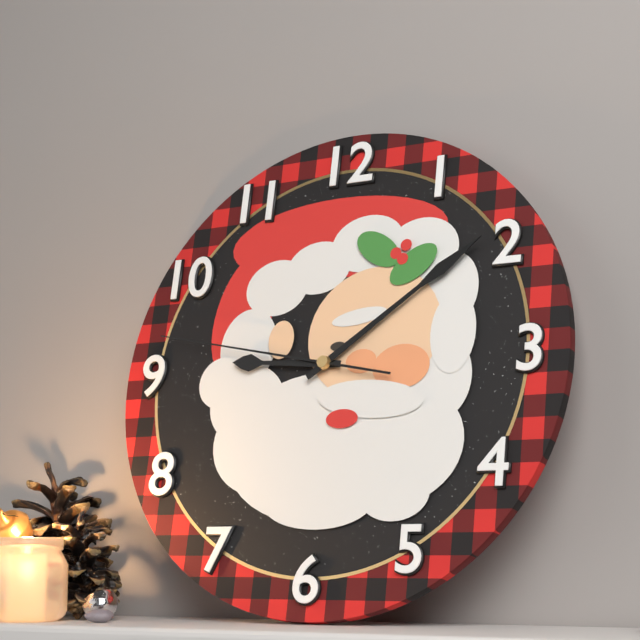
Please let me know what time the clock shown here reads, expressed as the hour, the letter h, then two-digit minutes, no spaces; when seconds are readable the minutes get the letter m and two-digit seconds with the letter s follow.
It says 9h09m47s
